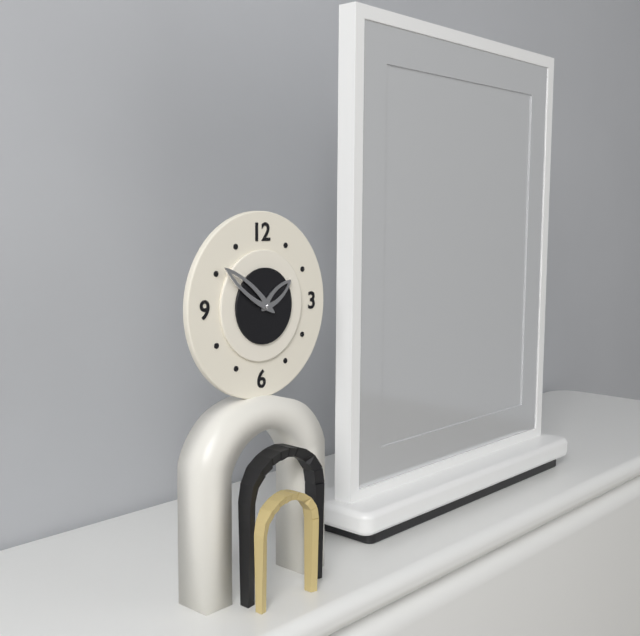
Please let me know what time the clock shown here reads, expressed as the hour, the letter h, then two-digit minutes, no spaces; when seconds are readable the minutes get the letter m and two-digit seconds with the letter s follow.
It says 1h51
